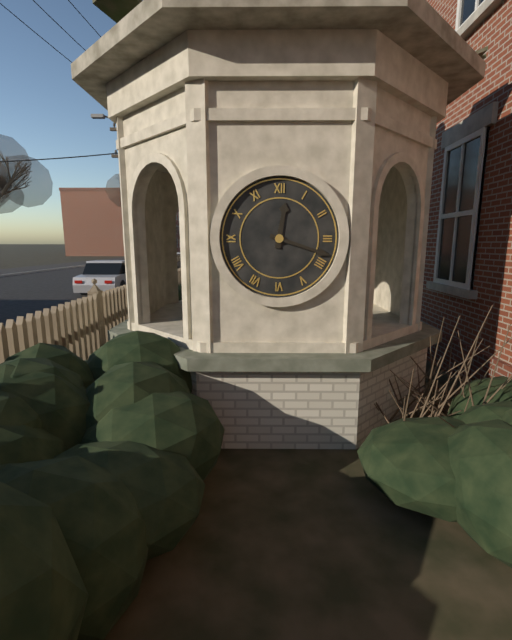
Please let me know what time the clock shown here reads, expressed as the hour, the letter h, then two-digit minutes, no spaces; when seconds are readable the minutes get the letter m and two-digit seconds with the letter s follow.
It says 12h18
